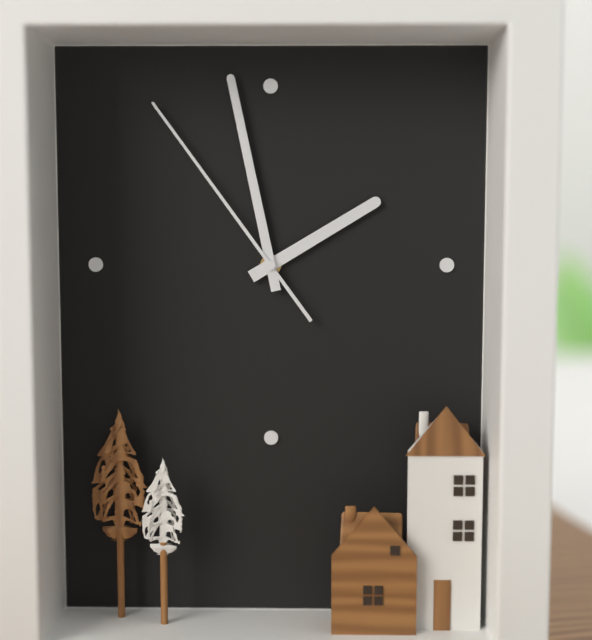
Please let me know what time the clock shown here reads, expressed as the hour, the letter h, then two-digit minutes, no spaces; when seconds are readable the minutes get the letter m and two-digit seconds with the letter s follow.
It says 1h58m54s
